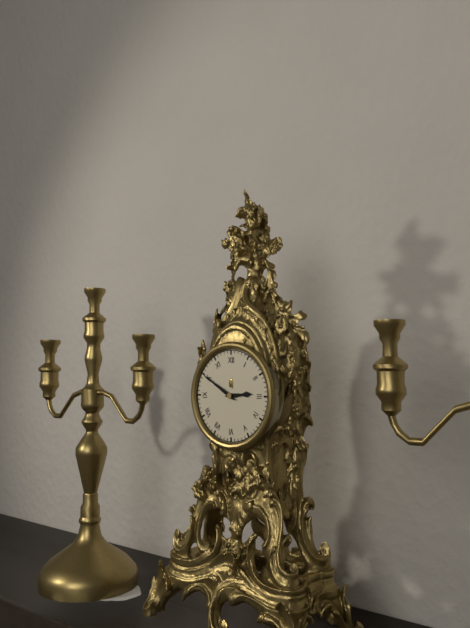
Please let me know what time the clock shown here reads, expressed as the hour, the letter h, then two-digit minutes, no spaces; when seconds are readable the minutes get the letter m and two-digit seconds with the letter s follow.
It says 2h50
